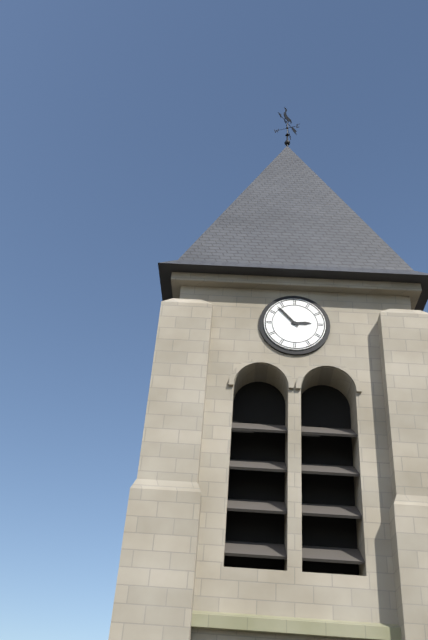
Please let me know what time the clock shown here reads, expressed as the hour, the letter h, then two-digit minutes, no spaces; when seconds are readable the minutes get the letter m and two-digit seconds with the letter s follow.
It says 2h53
